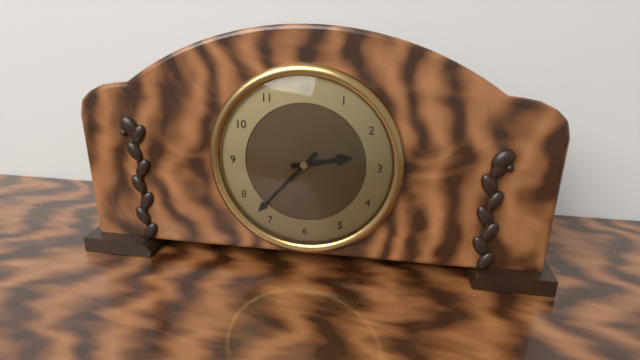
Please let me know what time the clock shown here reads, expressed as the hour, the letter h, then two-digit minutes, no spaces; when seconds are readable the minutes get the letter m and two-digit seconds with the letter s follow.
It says 2h37
